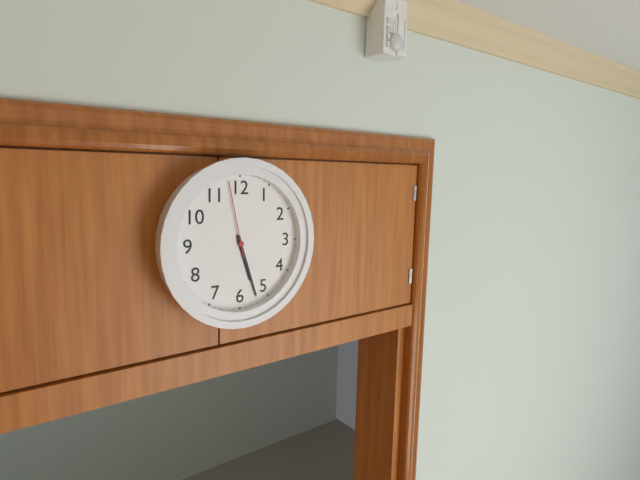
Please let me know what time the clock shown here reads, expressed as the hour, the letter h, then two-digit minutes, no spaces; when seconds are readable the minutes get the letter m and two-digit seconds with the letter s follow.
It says 5h27m58s
